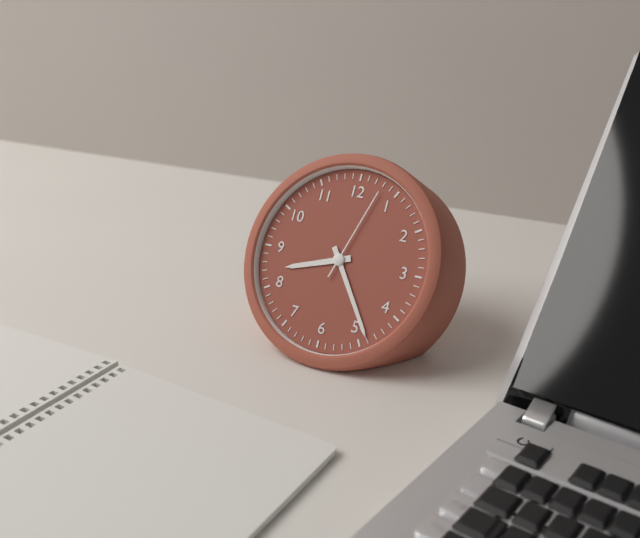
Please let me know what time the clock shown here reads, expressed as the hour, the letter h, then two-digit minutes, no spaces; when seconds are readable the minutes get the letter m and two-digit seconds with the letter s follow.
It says 8h24m03s
